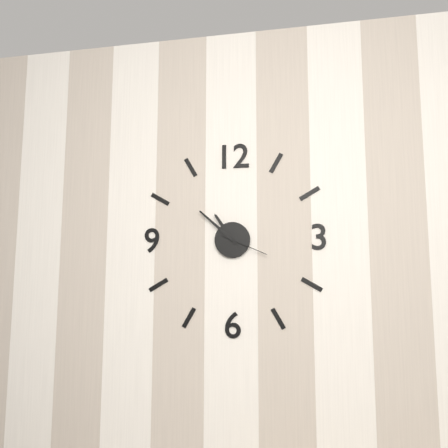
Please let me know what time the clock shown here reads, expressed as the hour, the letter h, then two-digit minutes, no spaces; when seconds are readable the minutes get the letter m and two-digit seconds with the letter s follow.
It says 10h52
